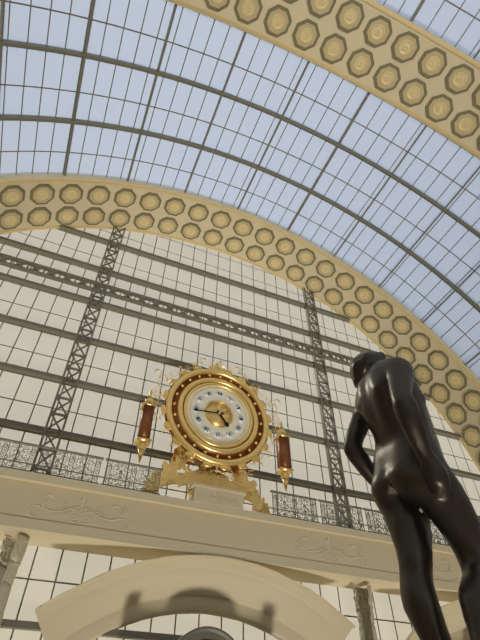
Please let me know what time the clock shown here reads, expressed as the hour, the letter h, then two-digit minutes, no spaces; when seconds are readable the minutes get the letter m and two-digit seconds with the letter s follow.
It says 4h44
